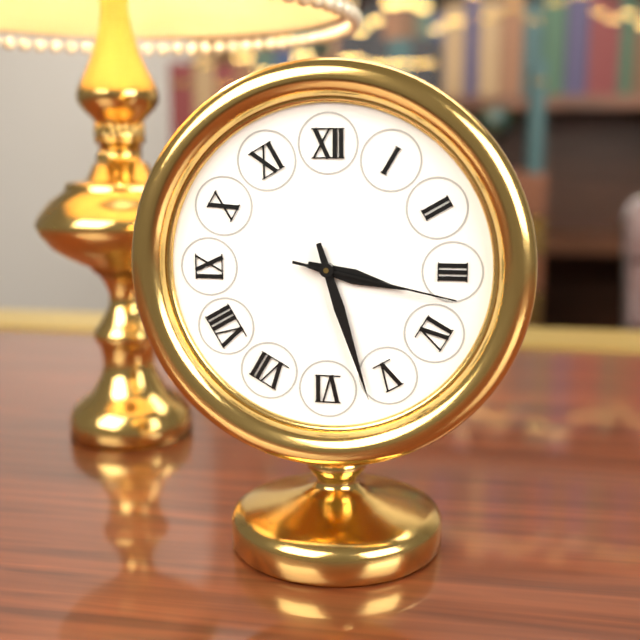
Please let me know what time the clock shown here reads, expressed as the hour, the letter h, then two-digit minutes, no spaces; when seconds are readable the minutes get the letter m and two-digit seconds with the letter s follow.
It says 3h27m17s
